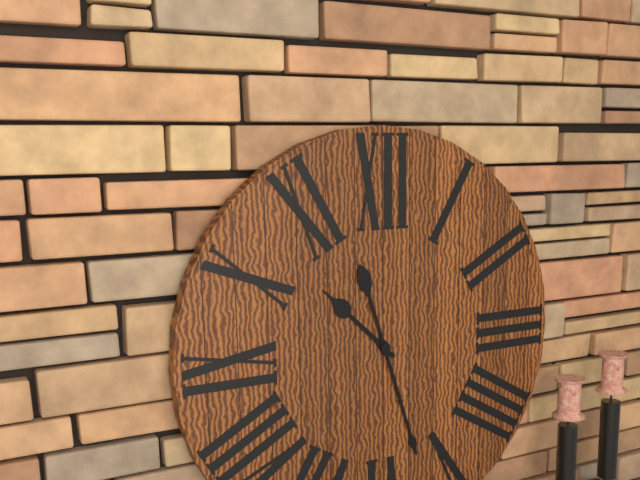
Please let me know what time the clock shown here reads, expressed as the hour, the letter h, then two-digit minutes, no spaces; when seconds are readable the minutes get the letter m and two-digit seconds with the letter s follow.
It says 10h27
